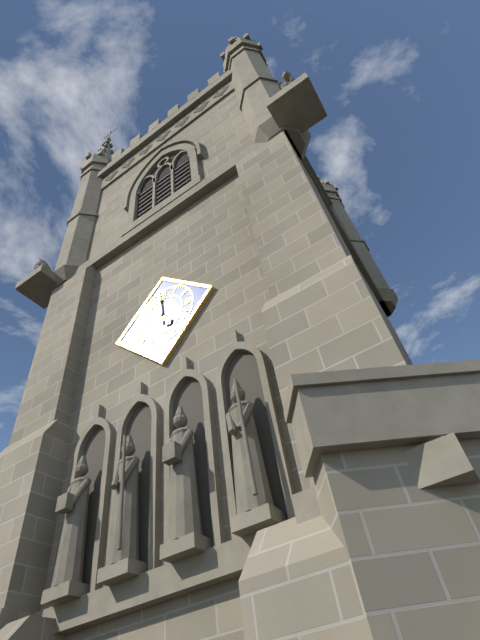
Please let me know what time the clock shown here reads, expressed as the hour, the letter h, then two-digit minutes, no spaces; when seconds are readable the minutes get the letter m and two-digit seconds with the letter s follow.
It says 4h59
